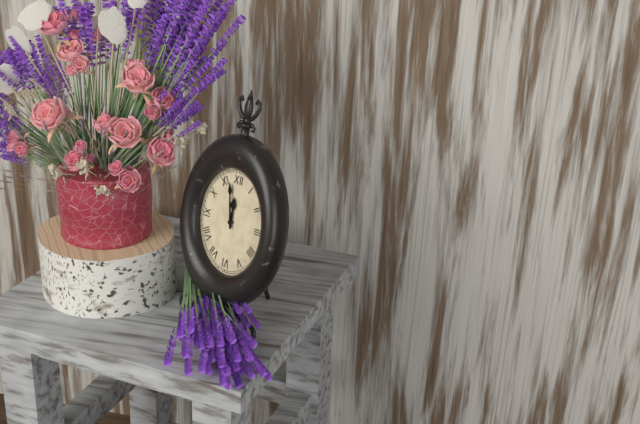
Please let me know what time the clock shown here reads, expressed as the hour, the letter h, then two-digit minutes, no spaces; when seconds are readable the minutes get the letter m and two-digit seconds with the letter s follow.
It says 11h58
